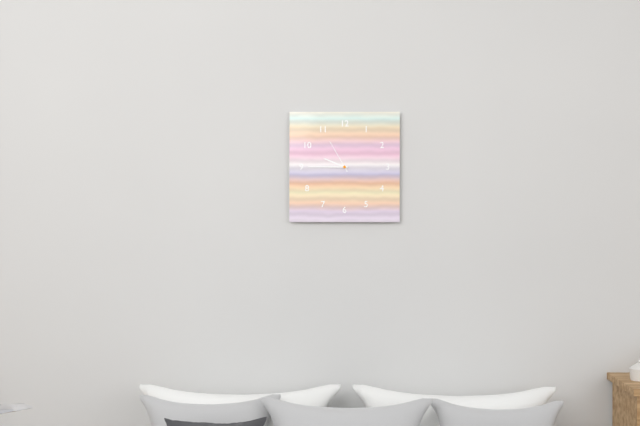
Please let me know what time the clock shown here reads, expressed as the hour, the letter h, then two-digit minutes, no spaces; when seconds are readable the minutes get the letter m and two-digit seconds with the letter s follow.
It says 9h45
